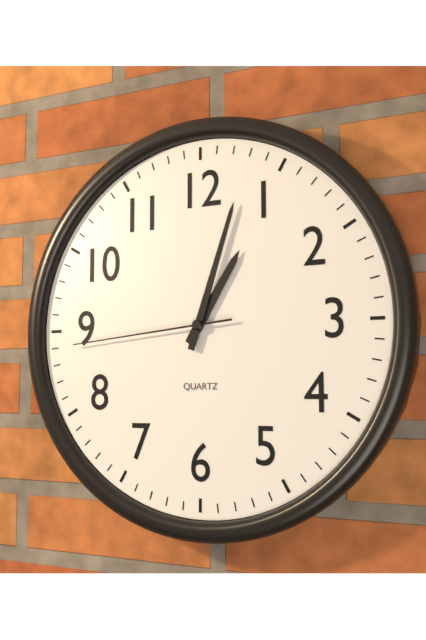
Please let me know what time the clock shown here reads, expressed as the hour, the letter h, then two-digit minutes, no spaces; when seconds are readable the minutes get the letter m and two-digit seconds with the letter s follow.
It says 1h03m44s
